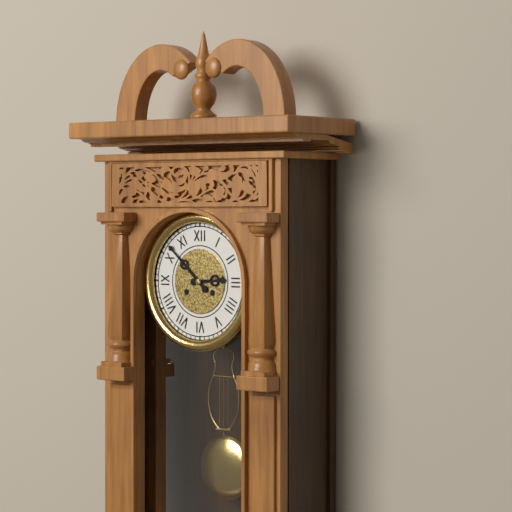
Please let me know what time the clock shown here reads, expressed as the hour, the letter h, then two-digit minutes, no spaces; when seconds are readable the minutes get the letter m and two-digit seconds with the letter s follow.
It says 2h52
